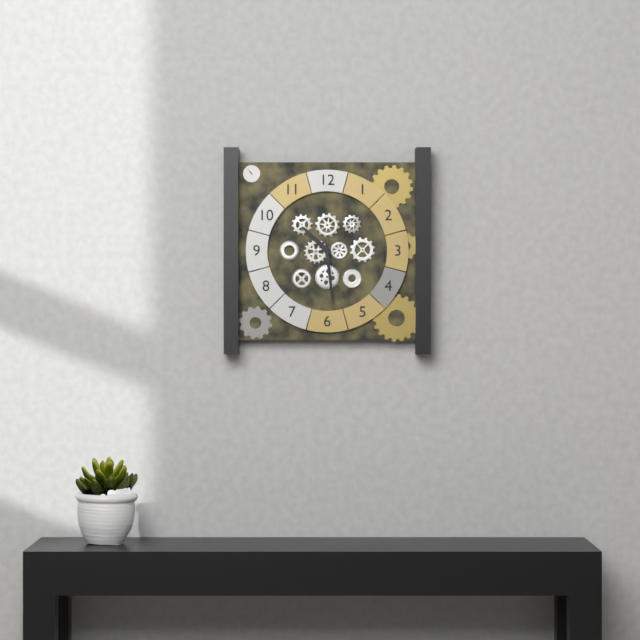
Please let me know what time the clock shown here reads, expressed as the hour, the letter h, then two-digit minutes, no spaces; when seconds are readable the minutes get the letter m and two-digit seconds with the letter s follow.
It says 10h29
